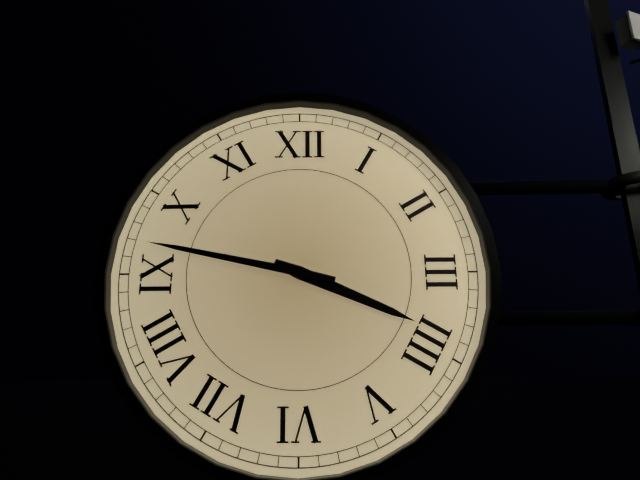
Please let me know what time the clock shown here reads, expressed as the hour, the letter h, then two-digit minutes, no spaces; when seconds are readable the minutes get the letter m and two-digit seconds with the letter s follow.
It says 3h47
